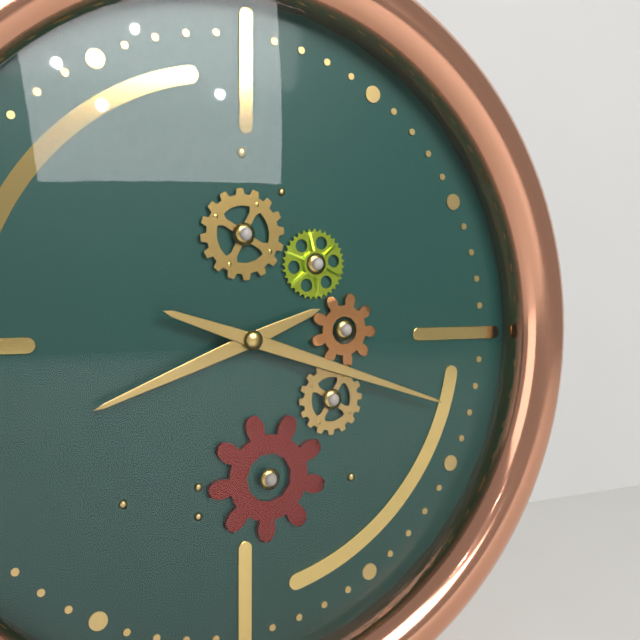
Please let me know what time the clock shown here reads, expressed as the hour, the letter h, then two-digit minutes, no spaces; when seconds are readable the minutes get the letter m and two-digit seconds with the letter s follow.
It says 8h18
